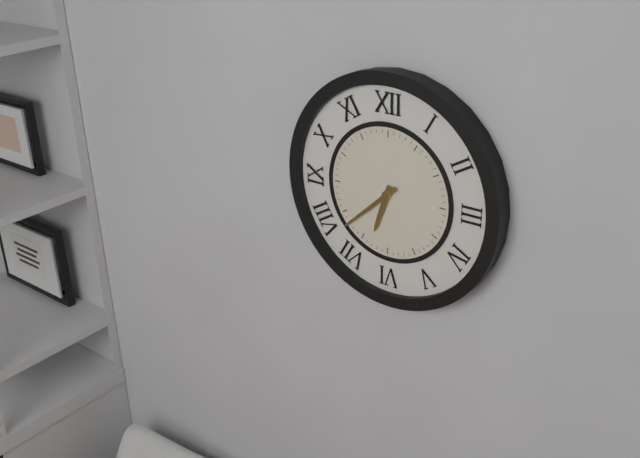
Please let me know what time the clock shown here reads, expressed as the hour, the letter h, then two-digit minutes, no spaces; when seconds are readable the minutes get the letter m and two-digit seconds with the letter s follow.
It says 6h38
